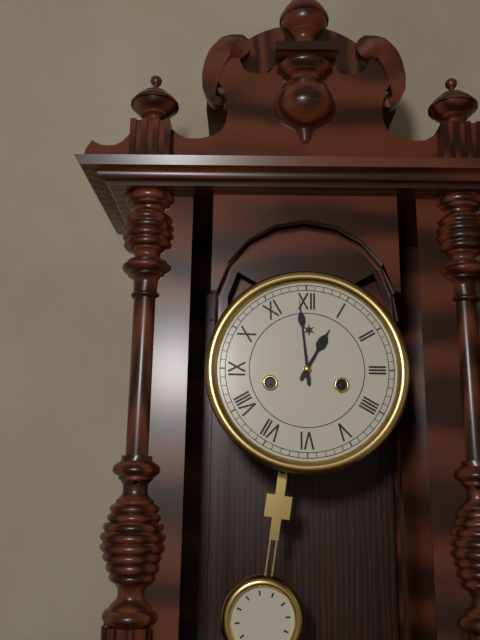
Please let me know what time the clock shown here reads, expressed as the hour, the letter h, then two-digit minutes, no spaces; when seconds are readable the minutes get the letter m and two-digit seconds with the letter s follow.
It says 12h59
